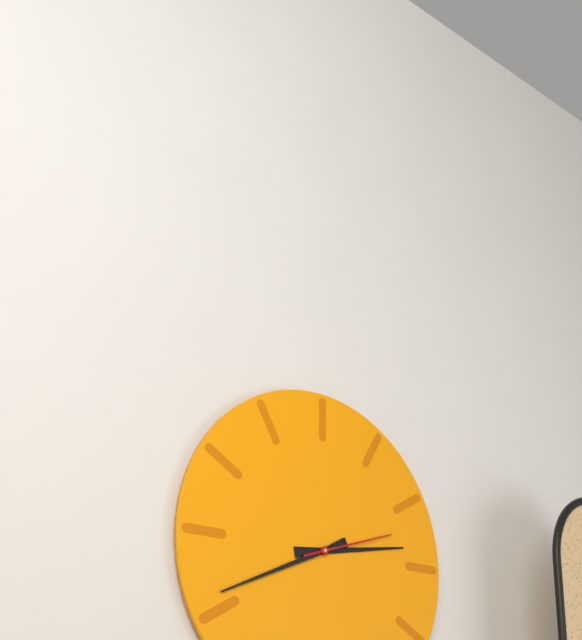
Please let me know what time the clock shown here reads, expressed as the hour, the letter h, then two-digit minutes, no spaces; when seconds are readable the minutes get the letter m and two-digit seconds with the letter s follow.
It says 2h41m12s
